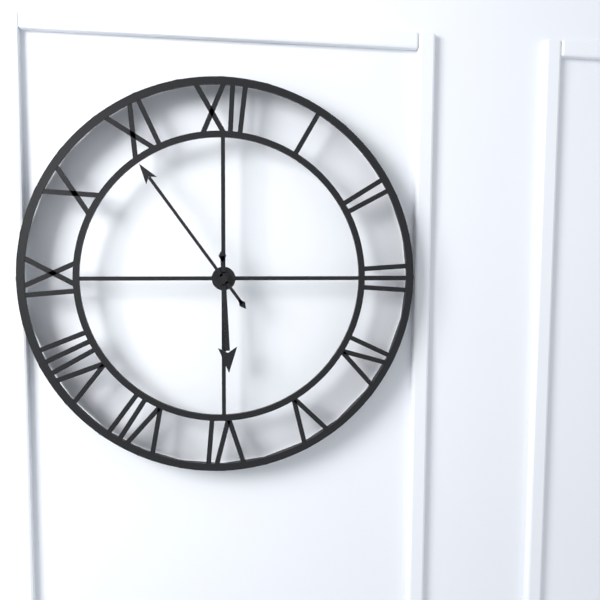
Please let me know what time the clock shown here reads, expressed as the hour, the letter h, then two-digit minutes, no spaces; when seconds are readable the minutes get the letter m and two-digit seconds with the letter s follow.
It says 5h54
